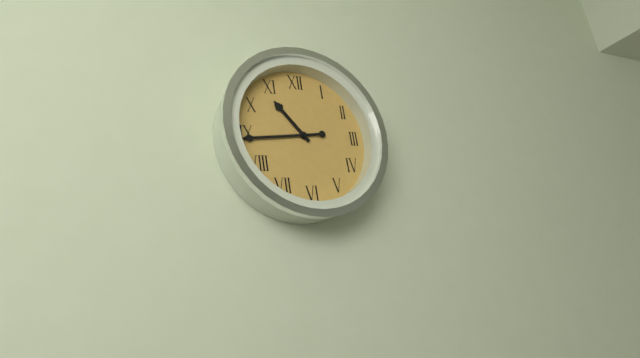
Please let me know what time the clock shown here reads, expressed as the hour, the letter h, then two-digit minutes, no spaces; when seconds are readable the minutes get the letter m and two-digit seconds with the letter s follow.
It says 10h44
